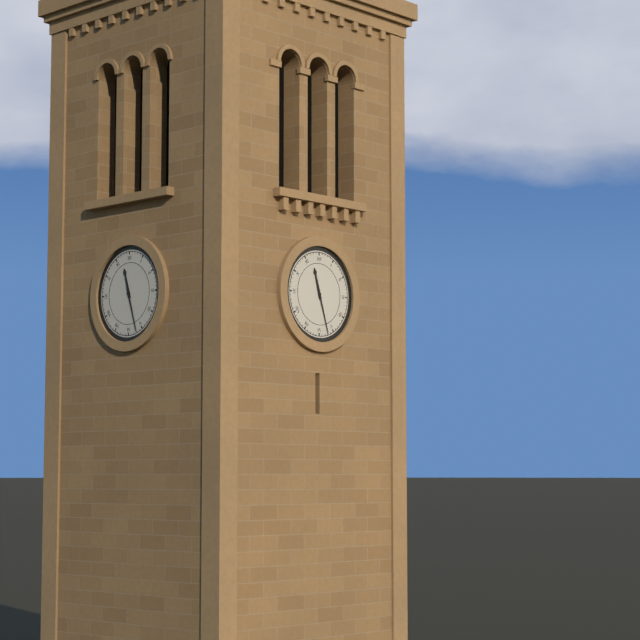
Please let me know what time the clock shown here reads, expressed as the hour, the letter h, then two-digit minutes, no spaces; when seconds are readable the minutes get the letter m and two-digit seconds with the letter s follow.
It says 11h27
